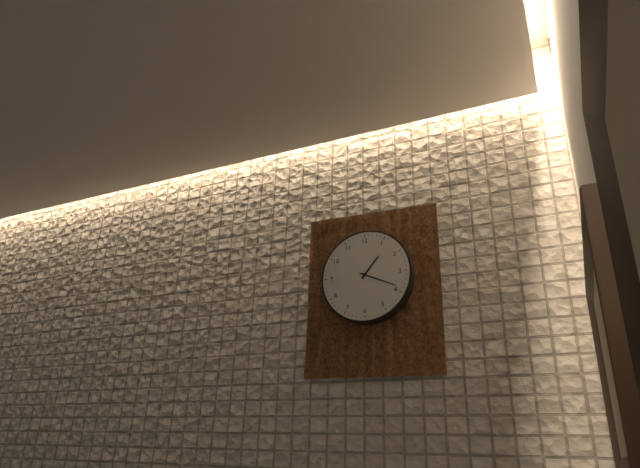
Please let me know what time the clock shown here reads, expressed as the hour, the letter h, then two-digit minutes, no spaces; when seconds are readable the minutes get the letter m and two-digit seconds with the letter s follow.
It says 1h19
